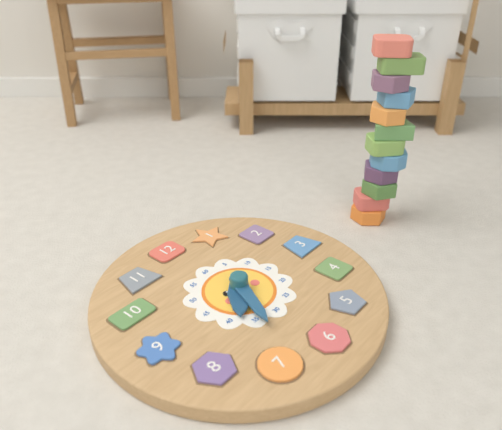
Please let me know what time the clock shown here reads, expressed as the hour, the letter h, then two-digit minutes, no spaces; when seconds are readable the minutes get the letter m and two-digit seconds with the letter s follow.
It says 7h34
